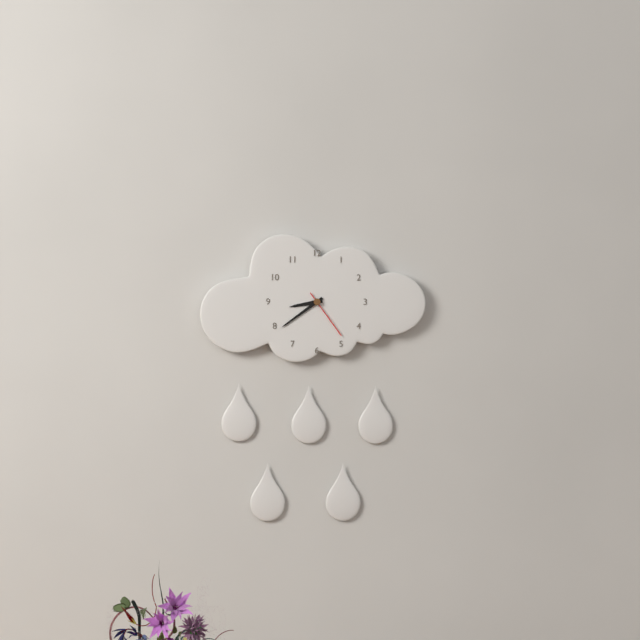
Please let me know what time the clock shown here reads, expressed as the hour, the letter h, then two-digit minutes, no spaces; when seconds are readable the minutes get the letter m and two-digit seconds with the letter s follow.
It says 8h39m24s
